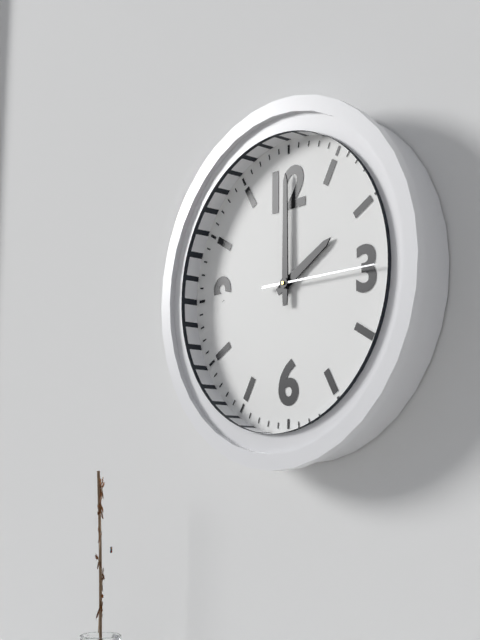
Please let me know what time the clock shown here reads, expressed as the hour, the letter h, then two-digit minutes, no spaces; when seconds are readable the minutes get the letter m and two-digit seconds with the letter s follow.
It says 2h00m15s
